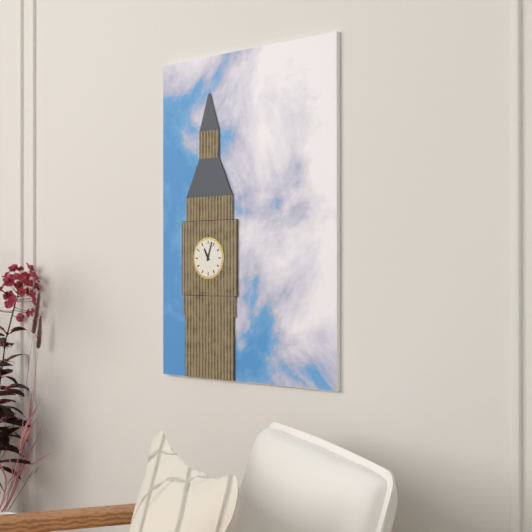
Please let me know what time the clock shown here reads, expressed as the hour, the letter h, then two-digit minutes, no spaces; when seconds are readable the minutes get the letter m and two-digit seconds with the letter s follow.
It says 11h03
